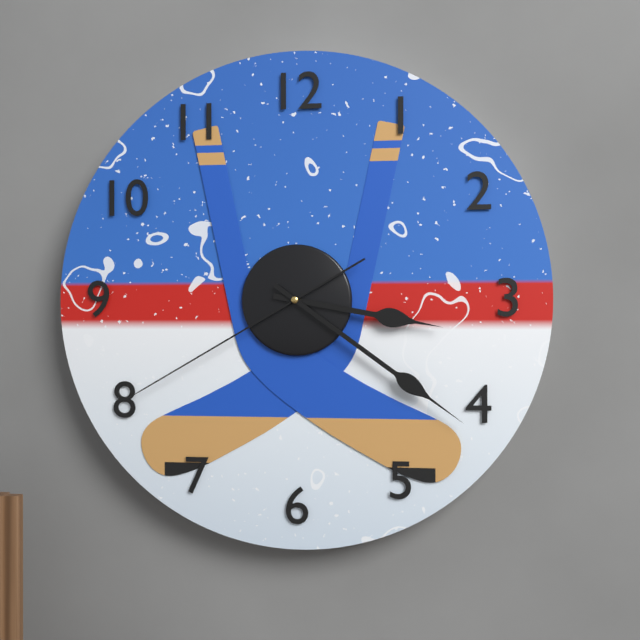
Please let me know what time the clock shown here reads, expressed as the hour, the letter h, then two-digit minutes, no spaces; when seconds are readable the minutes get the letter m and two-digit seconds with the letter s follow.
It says 3h21m40s
